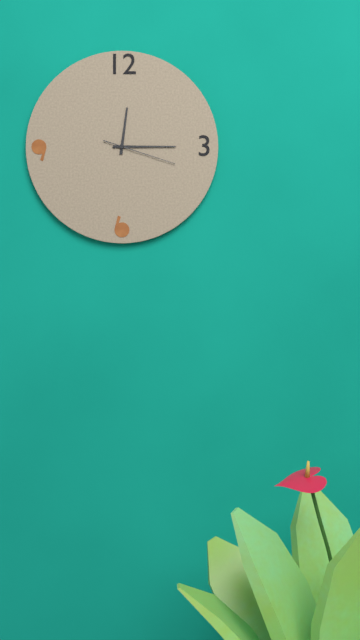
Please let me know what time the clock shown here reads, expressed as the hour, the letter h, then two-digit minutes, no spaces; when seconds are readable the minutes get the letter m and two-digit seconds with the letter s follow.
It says 12h15m18s
